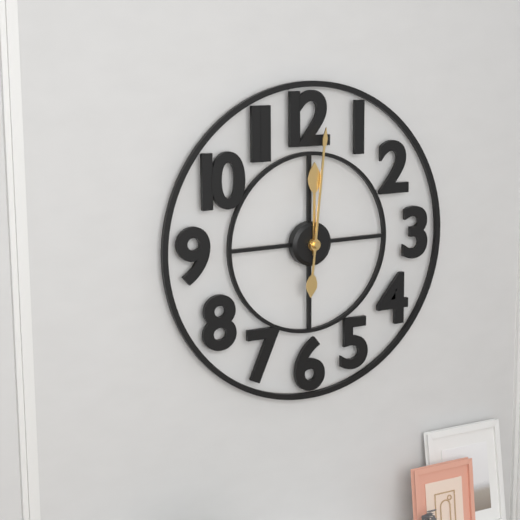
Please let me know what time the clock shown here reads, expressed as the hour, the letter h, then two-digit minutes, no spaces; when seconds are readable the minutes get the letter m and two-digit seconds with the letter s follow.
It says 12h01
